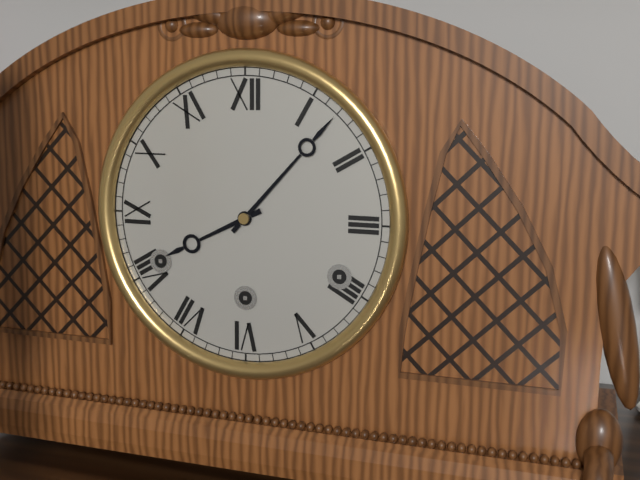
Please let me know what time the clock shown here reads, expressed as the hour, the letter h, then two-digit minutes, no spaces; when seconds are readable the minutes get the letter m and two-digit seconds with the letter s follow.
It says 8h07
